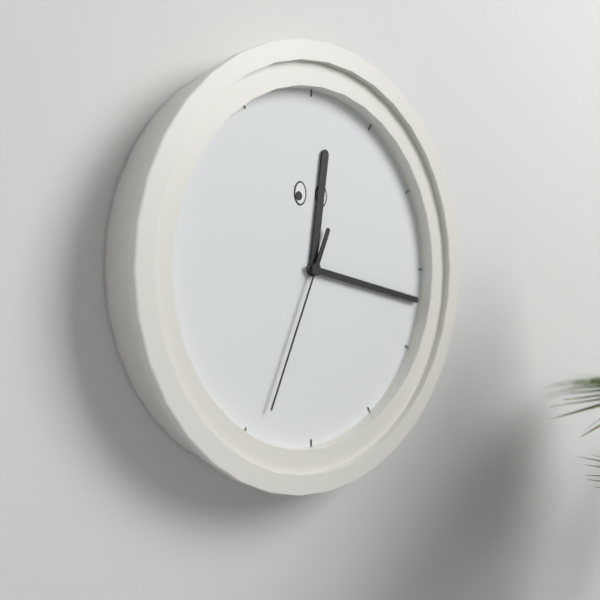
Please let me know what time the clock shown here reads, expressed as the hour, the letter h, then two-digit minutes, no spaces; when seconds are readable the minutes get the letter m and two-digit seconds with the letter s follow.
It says 12h17m34s
